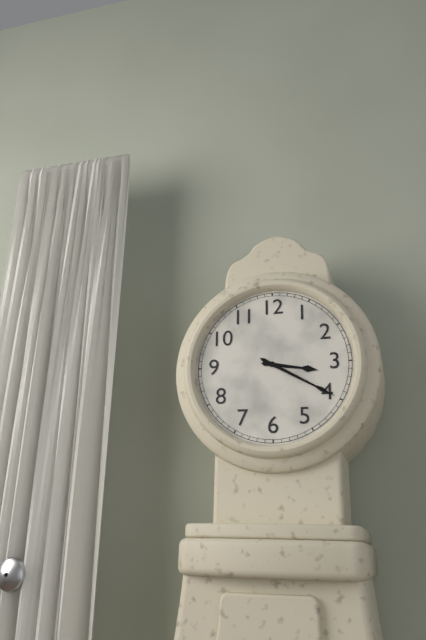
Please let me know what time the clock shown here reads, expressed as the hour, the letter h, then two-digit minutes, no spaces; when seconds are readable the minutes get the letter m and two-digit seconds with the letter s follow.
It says 3h20
